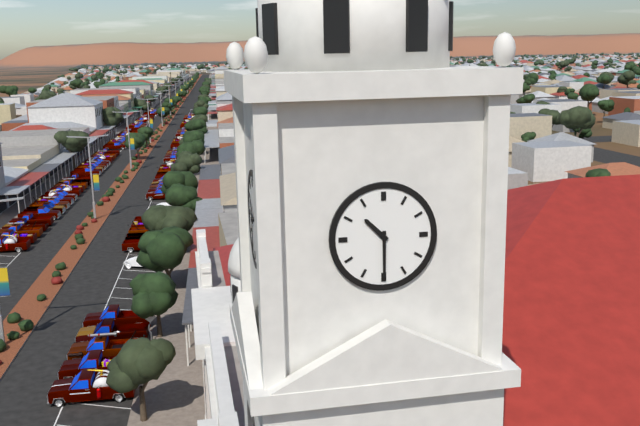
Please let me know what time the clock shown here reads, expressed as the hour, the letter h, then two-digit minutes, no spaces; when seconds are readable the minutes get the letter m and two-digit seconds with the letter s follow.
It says 10h30
